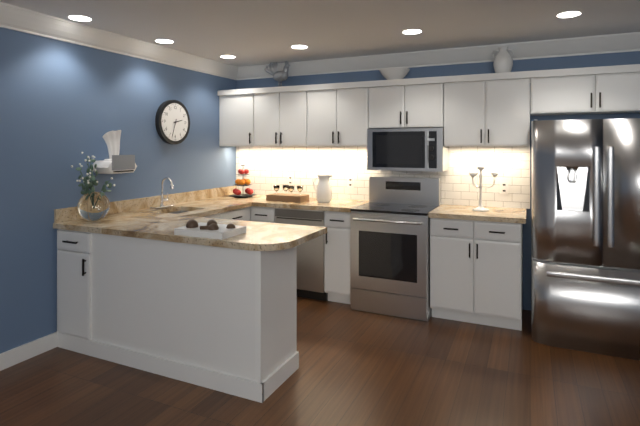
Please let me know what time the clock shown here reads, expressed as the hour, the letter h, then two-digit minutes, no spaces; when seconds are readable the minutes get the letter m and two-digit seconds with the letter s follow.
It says 2h33
